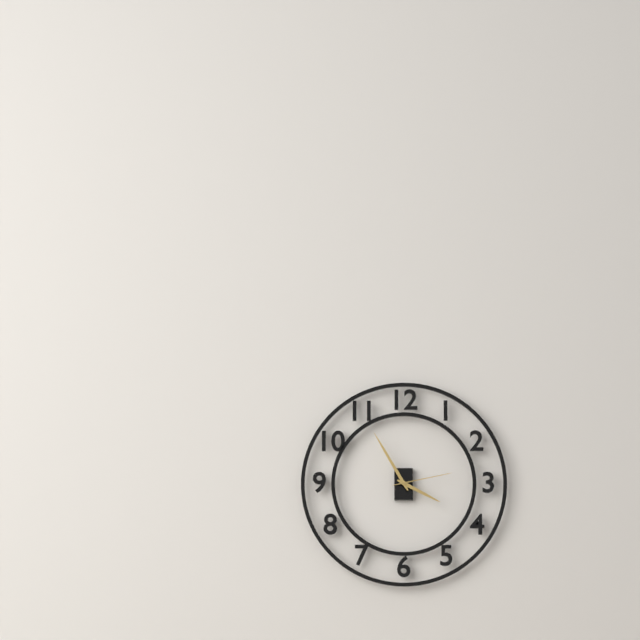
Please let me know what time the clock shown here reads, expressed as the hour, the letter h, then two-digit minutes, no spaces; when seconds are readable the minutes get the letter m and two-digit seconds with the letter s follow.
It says 3h55m13s
